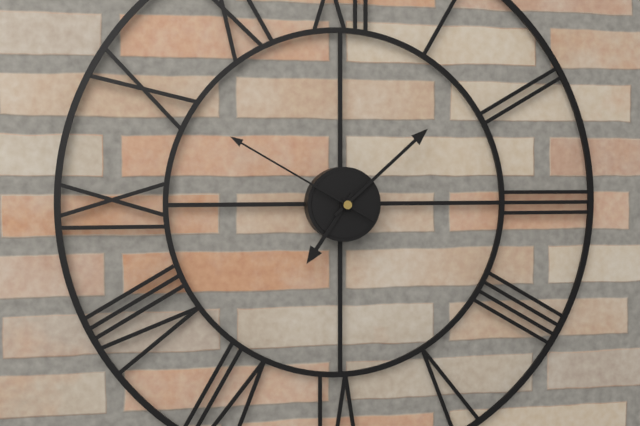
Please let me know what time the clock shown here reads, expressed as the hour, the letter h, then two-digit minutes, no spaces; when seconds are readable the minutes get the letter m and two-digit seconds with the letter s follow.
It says 7h08m50s
